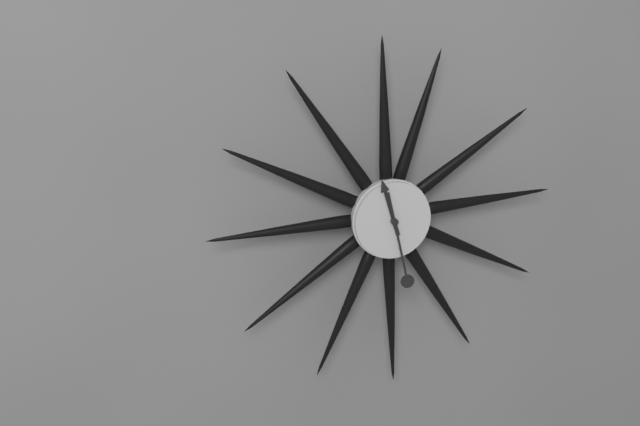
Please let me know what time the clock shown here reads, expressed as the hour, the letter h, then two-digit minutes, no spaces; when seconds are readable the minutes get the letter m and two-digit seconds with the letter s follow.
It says 11h28
